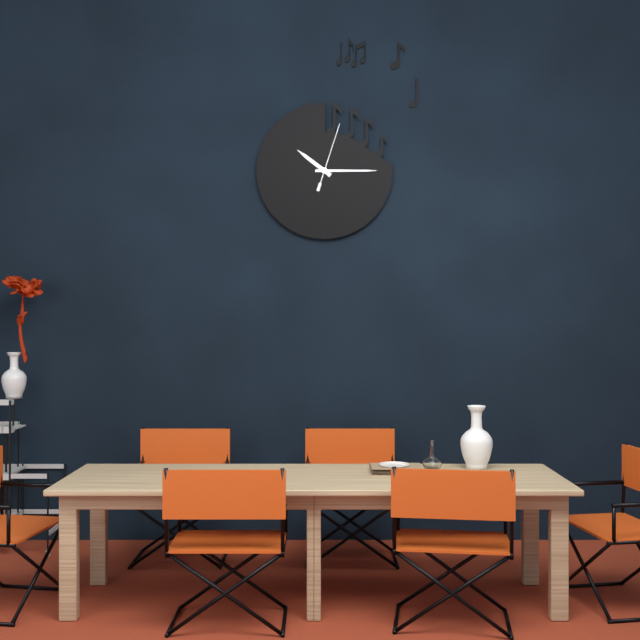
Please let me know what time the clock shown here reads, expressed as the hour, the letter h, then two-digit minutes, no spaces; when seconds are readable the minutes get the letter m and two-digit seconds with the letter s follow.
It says 10h15m03s
